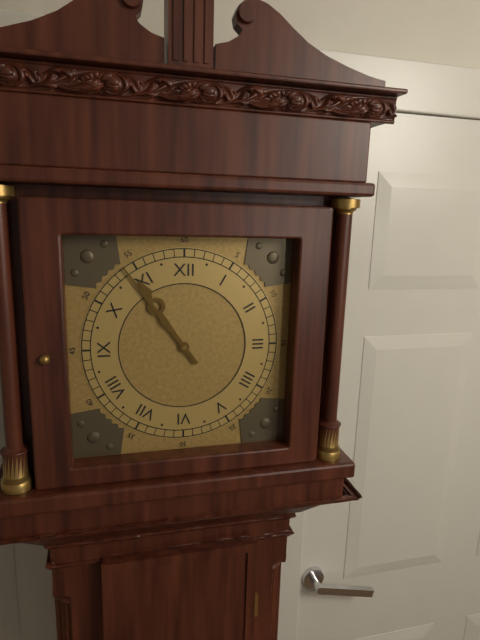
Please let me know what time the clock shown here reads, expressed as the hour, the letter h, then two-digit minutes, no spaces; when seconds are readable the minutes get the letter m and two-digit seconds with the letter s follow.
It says 10h54
